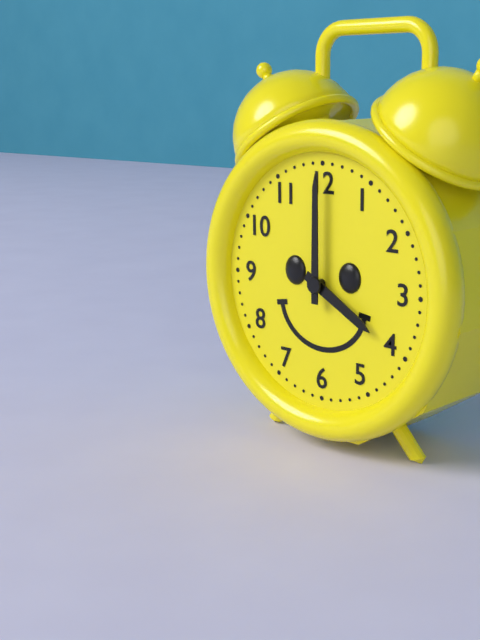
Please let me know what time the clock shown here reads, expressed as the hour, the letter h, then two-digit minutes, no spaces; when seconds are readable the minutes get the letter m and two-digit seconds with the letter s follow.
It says 4h00
